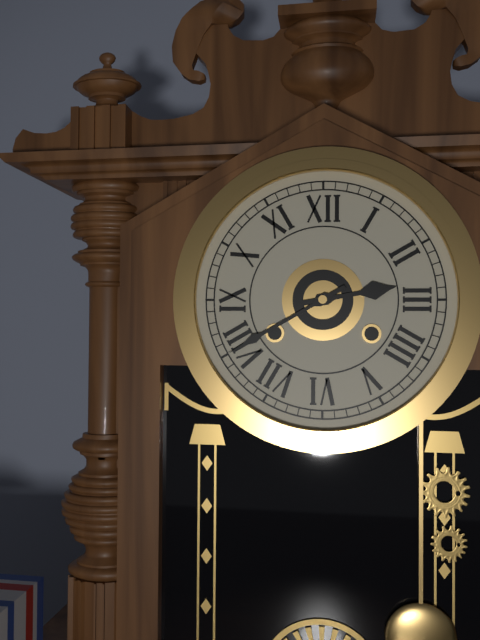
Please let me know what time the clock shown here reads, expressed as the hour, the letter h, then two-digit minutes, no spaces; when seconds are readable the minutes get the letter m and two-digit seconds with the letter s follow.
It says 2h40
